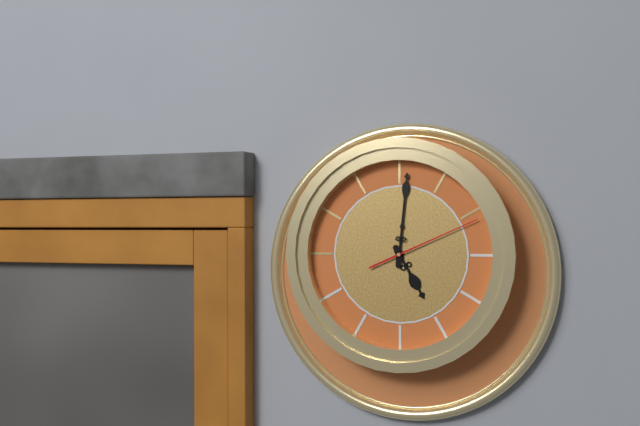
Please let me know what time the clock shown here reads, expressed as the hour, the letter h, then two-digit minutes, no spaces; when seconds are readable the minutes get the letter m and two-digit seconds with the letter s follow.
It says 5h01m11s
